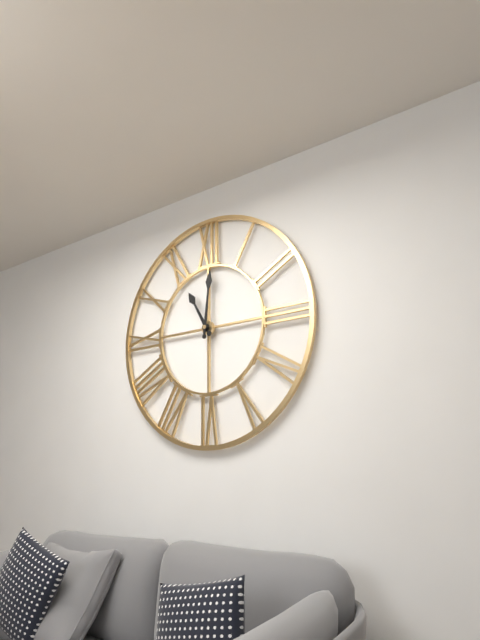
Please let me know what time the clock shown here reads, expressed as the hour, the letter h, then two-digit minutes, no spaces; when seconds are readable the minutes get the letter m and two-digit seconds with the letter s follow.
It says 11h01
